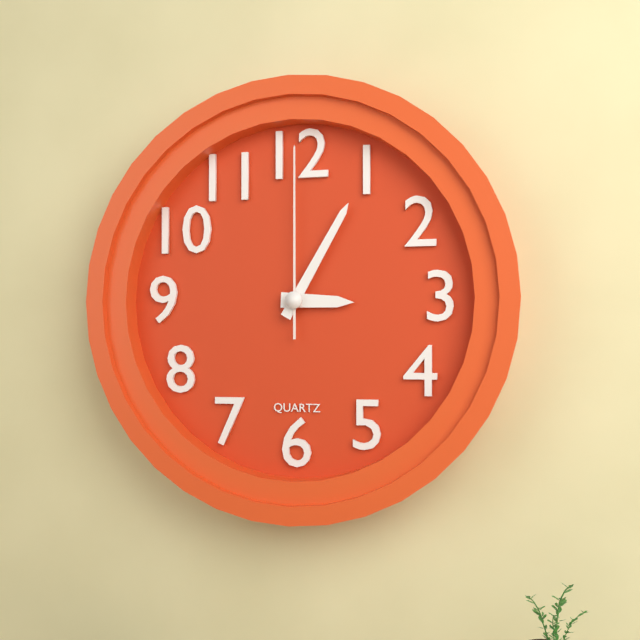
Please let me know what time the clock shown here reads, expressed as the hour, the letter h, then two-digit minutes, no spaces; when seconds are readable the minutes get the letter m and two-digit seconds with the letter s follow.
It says 3h05m00s
